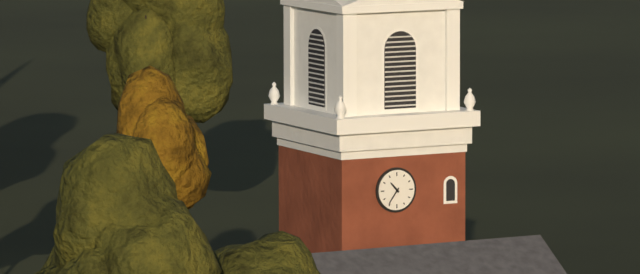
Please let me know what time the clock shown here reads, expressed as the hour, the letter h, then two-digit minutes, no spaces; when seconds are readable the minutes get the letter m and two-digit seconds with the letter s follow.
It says 10h36
